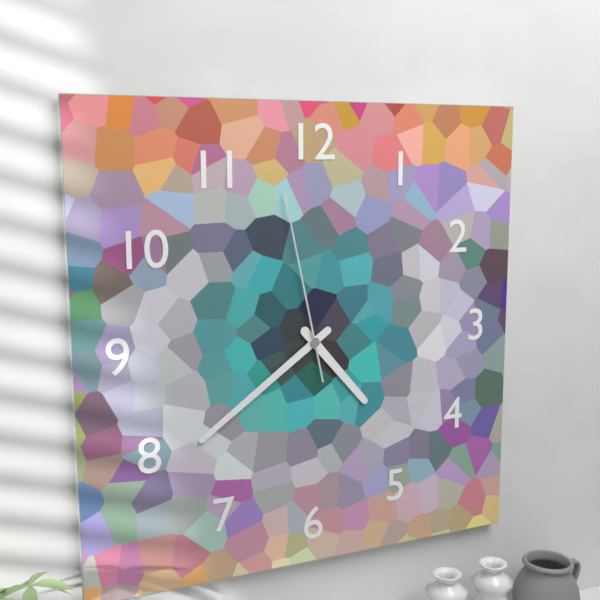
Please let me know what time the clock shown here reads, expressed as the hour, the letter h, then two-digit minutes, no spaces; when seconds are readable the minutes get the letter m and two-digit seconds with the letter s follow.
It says 4h39m58s
